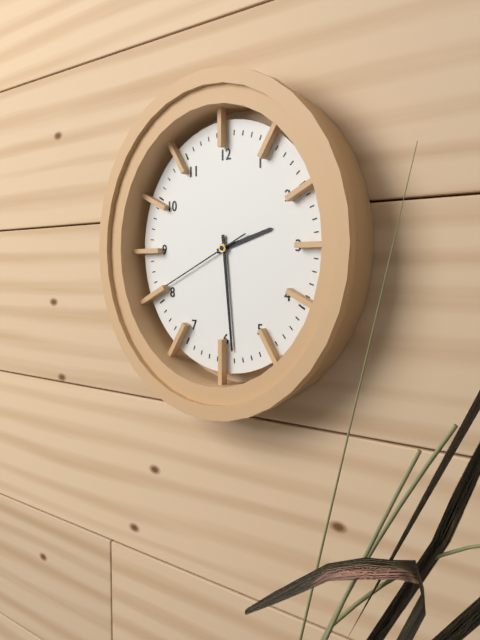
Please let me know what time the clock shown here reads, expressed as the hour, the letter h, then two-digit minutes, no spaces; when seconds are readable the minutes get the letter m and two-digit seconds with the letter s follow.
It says 2h29m41s
